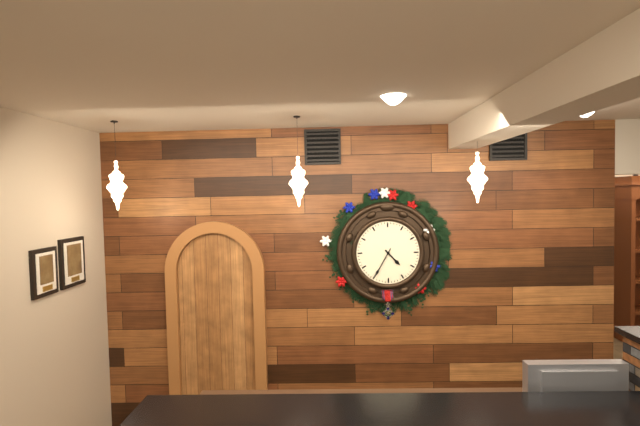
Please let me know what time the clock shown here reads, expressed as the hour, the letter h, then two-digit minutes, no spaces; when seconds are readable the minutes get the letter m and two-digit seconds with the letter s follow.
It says 4h35
